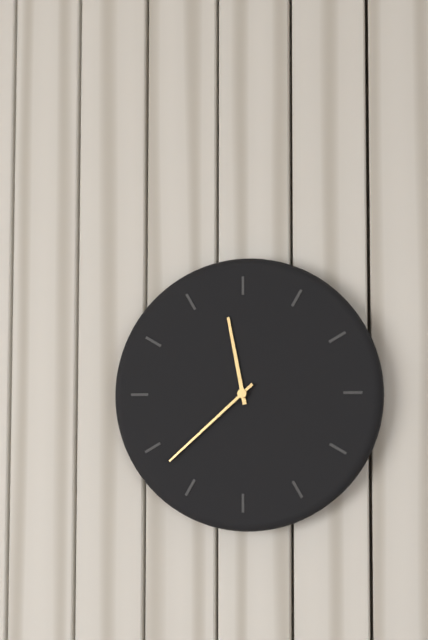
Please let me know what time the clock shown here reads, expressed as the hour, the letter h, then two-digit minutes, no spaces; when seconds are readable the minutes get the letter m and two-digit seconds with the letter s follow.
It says 11h38
